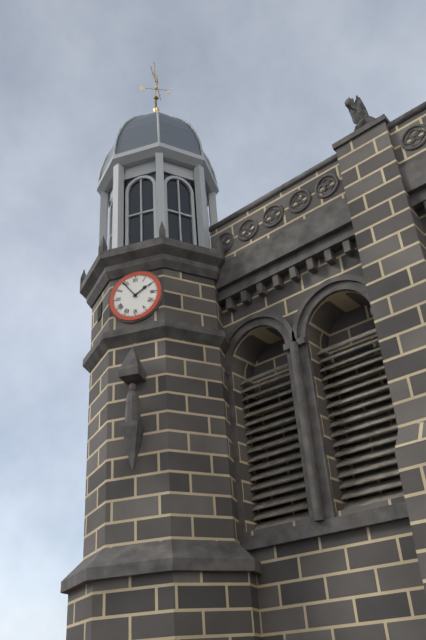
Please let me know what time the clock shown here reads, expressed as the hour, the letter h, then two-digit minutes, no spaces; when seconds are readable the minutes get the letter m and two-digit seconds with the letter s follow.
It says 1h54
